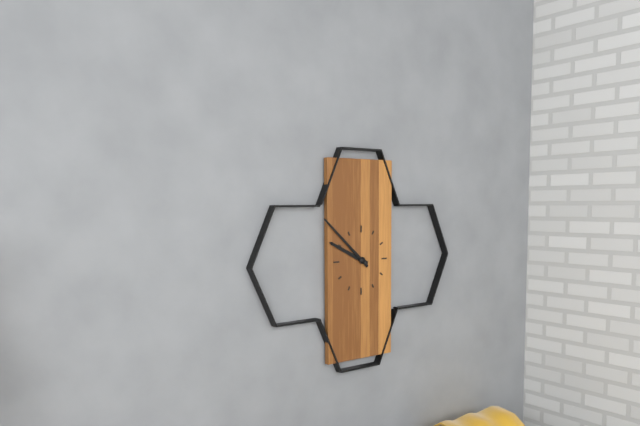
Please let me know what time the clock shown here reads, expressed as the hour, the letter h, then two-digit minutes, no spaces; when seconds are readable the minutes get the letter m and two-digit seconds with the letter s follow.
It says 9h52
